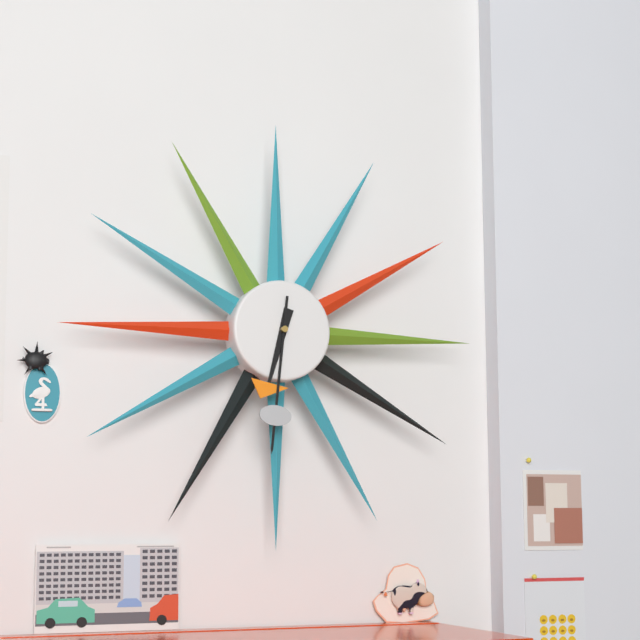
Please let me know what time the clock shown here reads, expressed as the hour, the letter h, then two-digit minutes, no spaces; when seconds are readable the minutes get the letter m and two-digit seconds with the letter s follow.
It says 6h31
